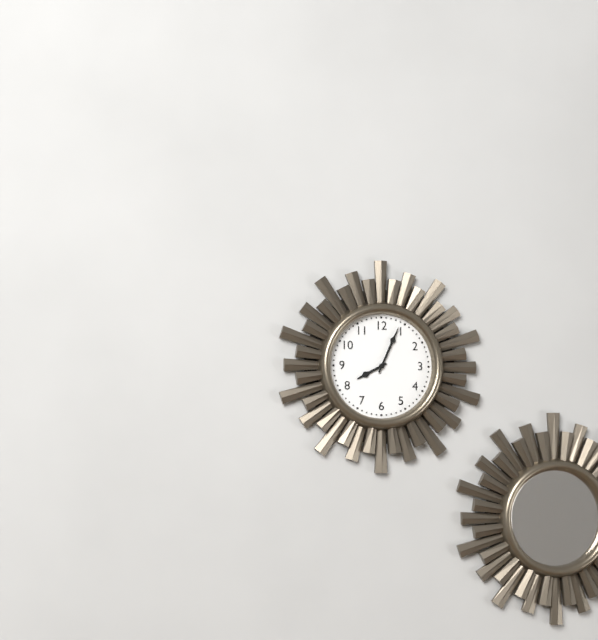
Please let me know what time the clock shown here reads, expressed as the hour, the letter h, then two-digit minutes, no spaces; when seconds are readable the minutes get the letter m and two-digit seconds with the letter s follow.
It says 8h04
